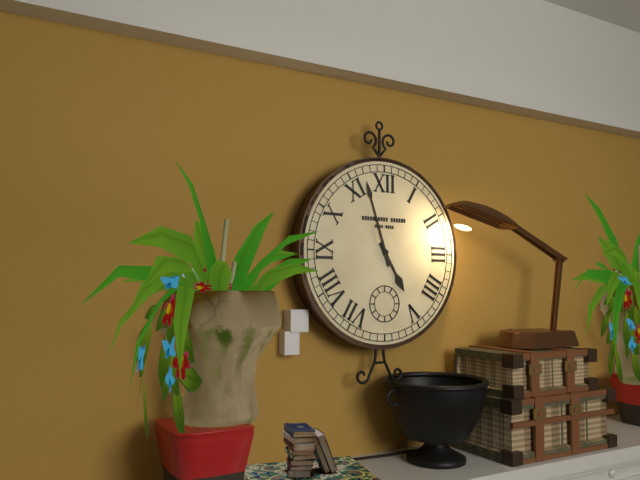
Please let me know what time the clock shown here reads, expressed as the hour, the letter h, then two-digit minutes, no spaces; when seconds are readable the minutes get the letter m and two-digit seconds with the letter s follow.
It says 4h57
